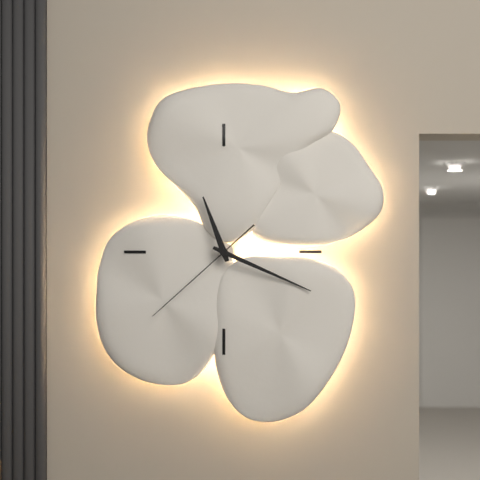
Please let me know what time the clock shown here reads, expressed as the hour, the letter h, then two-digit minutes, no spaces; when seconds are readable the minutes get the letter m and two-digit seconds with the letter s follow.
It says 11h19m38s
